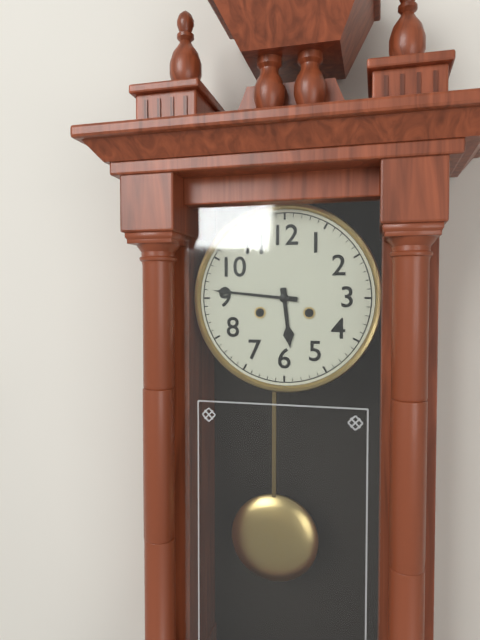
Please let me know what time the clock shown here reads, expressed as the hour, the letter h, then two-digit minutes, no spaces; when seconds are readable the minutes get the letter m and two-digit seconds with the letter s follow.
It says 5h46
